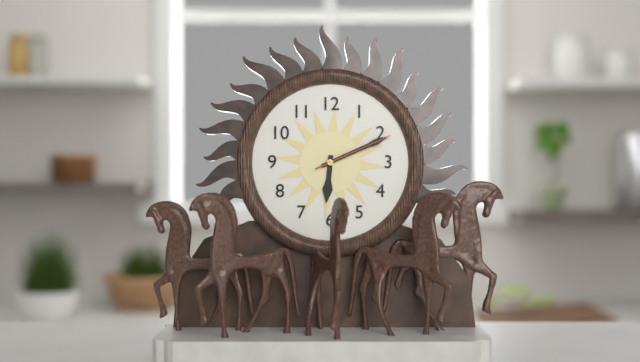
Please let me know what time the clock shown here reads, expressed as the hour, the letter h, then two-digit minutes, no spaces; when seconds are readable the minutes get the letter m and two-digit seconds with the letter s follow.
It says 6h11m11s
